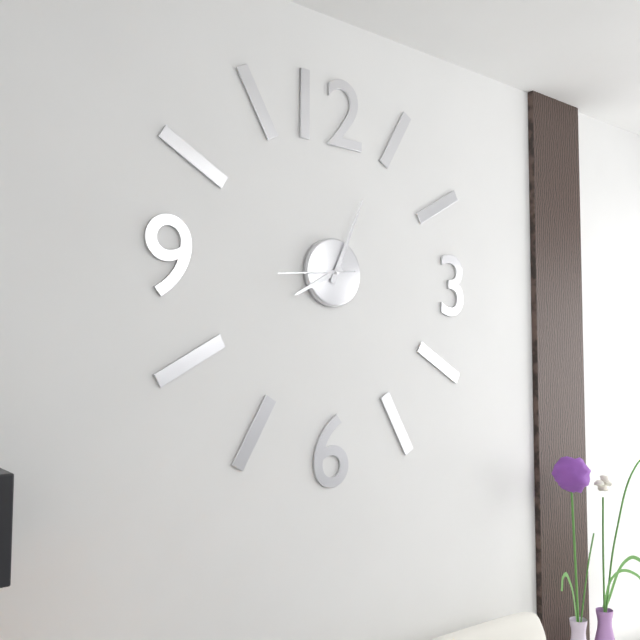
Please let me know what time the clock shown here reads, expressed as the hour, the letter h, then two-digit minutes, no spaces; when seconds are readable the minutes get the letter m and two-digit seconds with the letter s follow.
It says 8h04m44s
